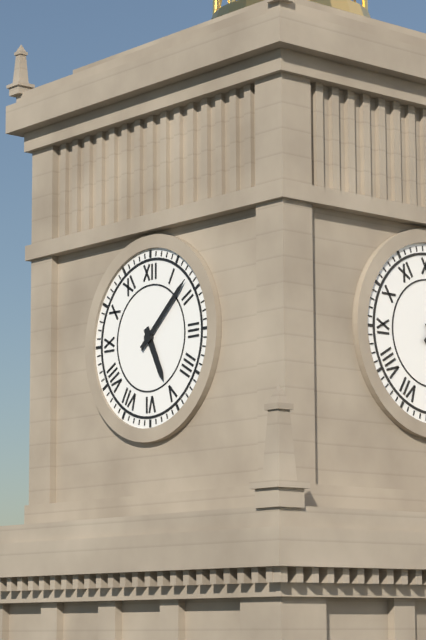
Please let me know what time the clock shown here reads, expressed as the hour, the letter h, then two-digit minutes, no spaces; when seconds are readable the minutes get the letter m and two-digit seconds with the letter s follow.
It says 5h08
